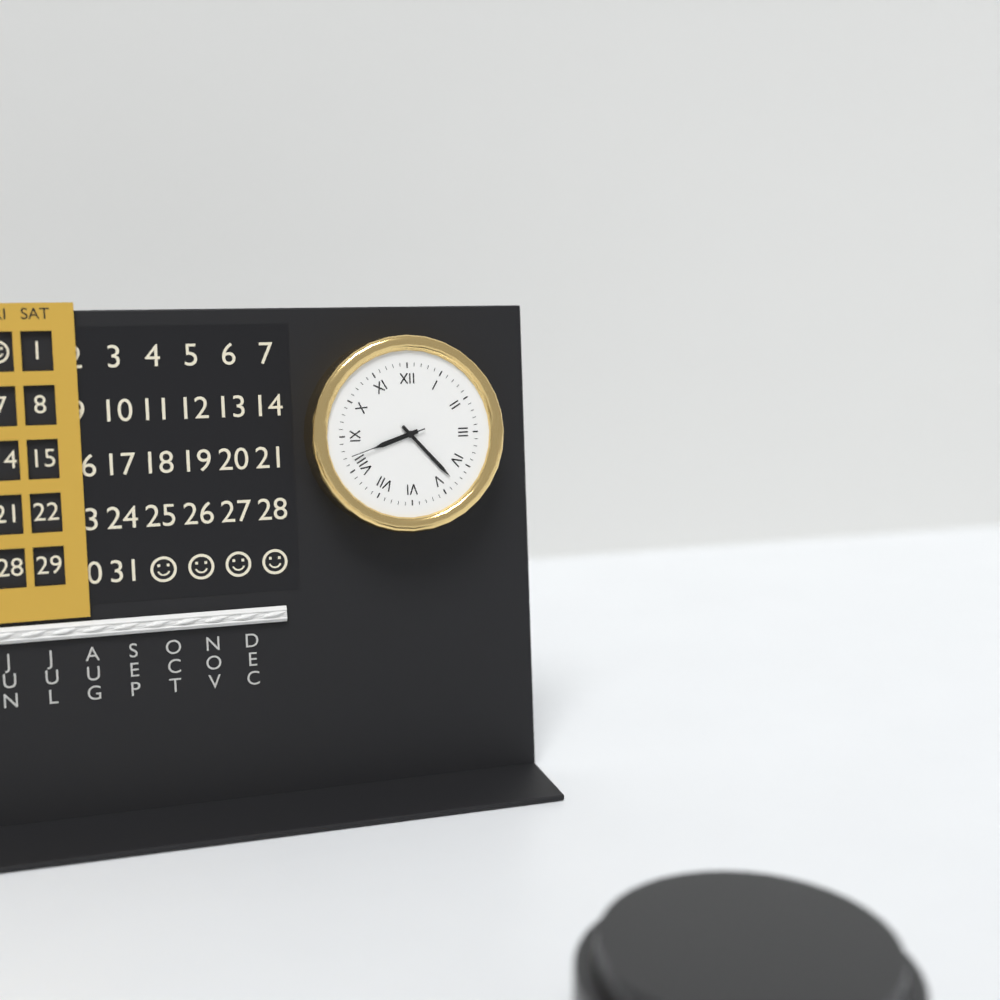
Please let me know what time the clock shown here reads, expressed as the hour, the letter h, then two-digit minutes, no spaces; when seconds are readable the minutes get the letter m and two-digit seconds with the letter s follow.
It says 8h23m42s
